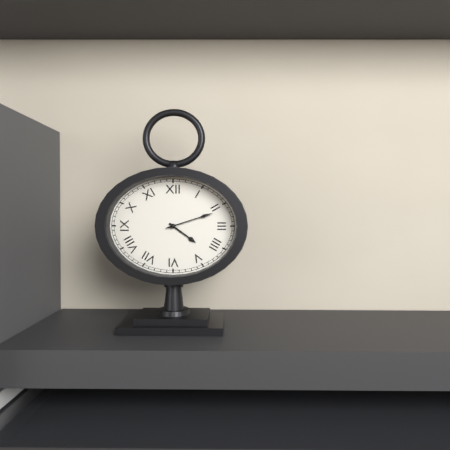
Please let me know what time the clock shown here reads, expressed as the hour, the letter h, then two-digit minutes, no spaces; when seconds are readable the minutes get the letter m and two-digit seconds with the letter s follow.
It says 4h12
